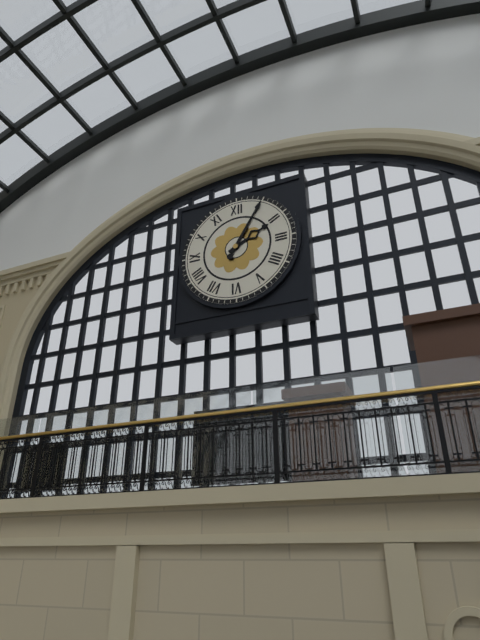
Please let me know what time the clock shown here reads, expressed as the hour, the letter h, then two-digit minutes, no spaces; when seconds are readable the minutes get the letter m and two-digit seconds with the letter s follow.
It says 2h05
